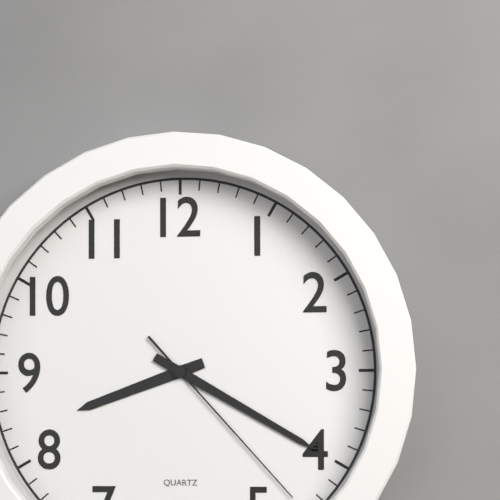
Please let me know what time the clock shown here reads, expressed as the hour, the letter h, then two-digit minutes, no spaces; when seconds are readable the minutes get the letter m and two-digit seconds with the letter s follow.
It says 8h20m23s
